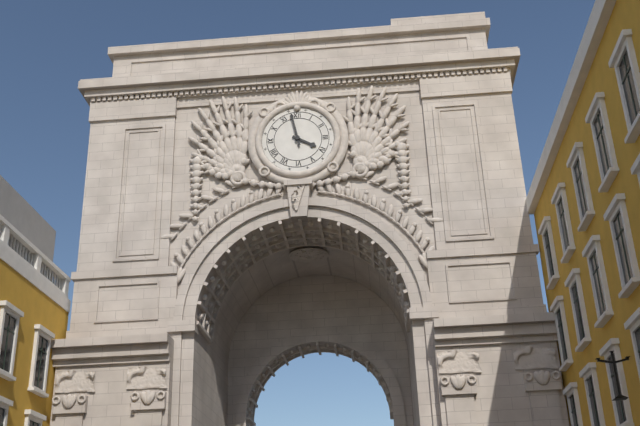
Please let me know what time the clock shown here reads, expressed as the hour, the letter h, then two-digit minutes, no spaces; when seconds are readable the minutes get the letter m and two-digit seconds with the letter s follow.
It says 3h58
